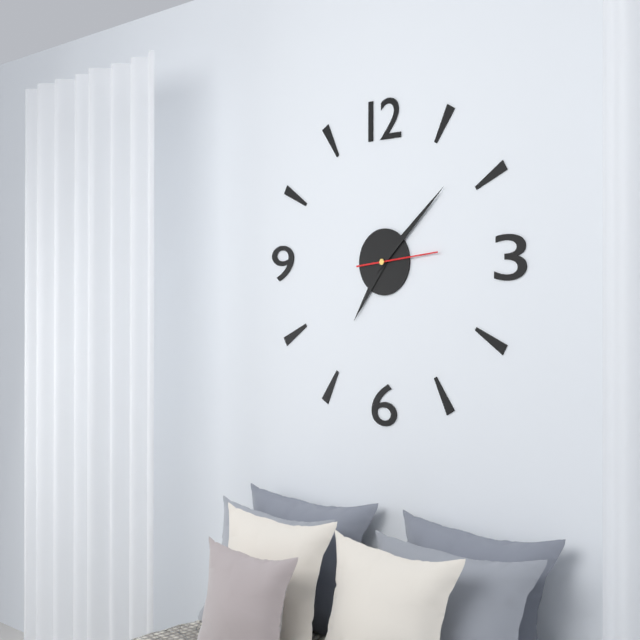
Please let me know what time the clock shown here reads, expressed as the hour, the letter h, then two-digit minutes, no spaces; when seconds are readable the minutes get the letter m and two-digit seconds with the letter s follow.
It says 7h08m14s
